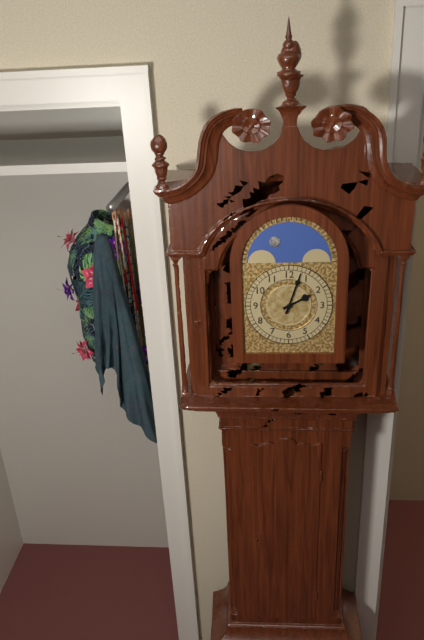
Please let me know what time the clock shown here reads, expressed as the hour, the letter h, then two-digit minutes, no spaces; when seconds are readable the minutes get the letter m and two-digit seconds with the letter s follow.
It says 2h03
